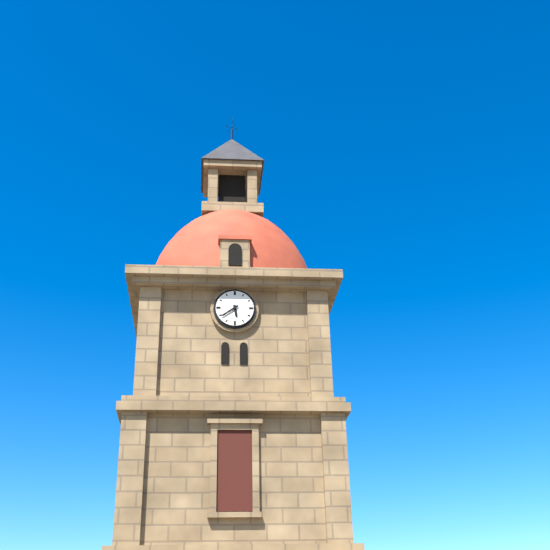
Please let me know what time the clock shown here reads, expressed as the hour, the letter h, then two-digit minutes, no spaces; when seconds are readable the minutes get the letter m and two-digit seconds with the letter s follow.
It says 5h39
